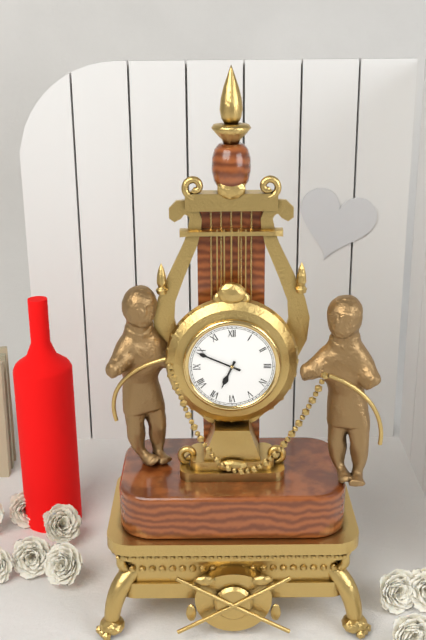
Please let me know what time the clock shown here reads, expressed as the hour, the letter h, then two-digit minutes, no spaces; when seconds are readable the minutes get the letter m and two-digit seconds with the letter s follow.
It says 6h49
